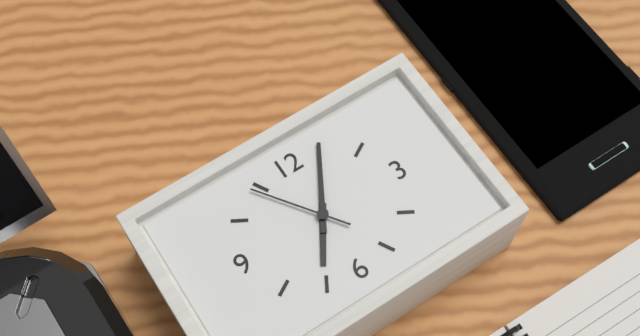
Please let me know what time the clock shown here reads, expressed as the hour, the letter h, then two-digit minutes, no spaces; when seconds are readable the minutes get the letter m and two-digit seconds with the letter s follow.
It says 7h05m54s
